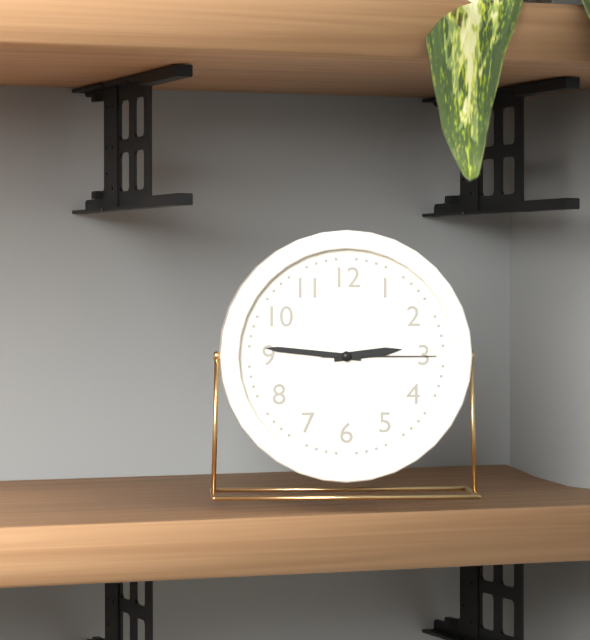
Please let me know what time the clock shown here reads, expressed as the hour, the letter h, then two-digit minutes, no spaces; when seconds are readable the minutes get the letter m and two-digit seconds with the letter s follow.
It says 2h46m15s
